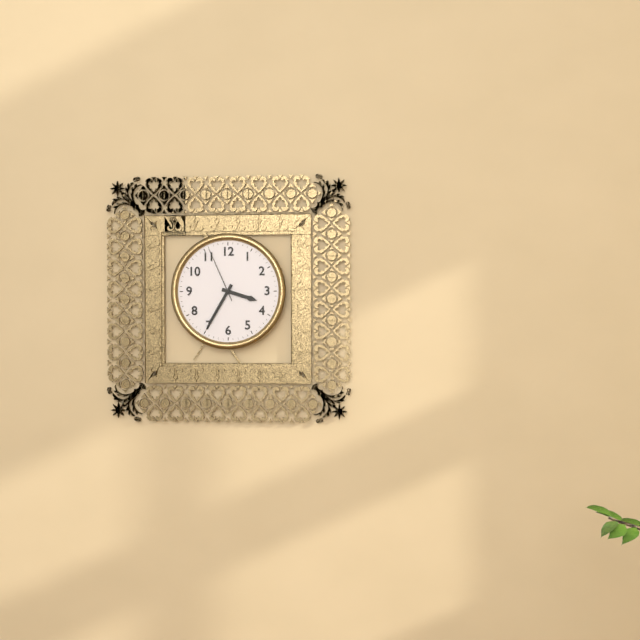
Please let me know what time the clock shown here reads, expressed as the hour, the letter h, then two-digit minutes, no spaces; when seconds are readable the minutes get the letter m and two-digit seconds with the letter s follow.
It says 3h35m56s
